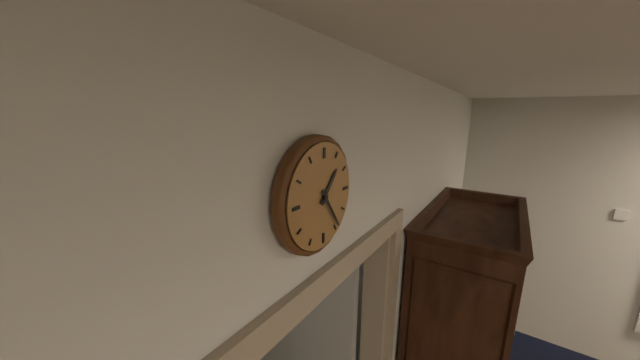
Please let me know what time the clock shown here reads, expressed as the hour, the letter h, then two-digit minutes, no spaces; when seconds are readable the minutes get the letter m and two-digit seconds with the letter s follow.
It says 1h24
